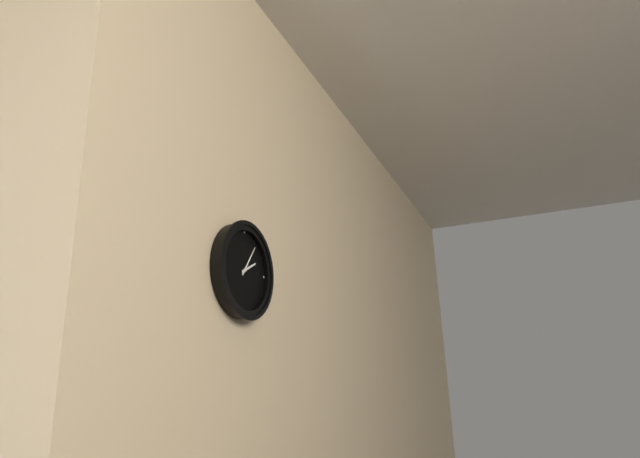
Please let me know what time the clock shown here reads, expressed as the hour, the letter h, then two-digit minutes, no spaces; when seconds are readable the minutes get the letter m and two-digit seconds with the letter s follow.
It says 2h06
